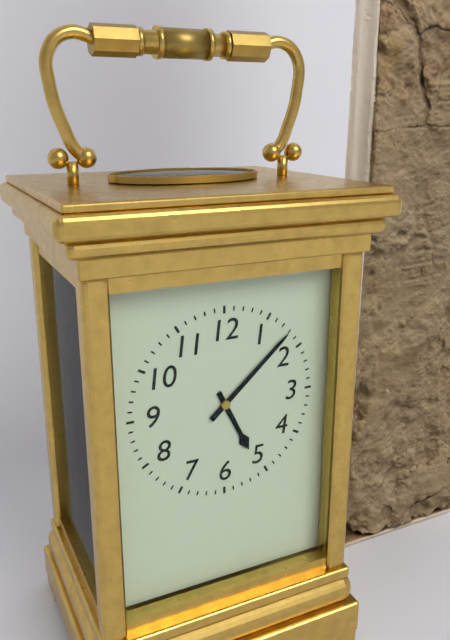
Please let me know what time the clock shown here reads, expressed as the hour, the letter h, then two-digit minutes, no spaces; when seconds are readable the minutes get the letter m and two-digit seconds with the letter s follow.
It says 5h08
